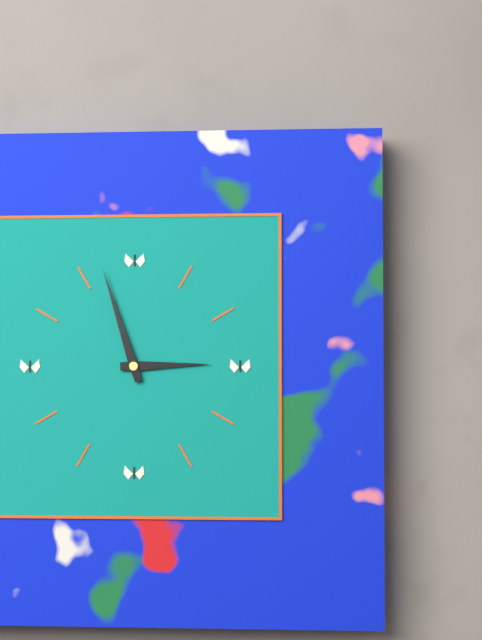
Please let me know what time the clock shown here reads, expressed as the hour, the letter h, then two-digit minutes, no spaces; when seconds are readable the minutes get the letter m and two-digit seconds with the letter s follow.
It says 2h57
